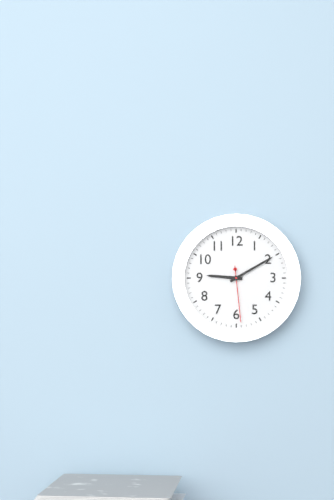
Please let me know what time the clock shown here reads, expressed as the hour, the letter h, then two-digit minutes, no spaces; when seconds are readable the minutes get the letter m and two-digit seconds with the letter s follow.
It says 9h10m29s
